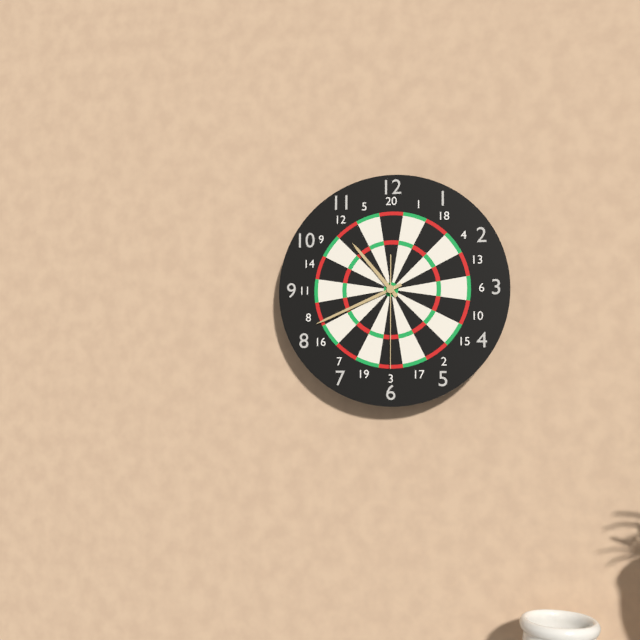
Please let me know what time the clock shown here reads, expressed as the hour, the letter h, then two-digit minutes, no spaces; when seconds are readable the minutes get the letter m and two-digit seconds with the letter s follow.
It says 10h41m30s
